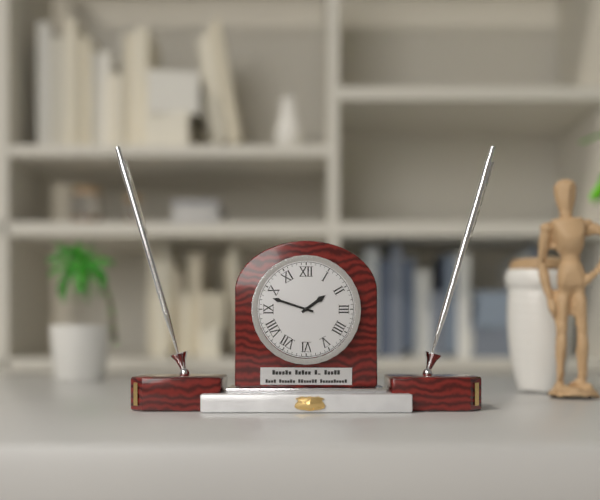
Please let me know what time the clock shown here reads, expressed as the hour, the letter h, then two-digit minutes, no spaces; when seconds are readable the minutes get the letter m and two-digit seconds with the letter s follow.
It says 1h48
